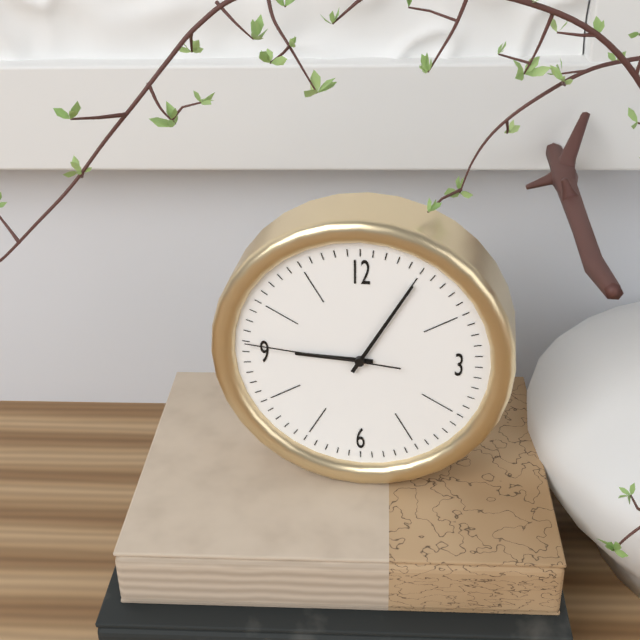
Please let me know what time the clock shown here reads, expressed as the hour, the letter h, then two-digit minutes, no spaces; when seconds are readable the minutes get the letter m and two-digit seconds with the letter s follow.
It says 9h05m46s
